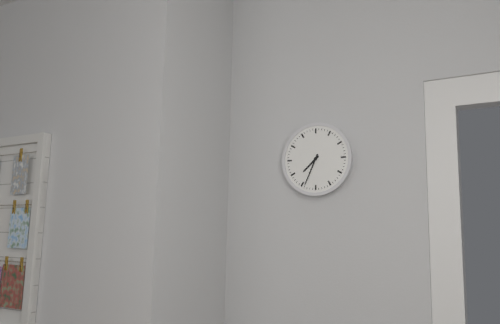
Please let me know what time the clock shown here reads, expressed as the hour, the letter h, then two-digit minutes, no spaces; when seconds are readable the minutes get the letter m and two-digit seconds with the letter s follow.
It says 7h34
